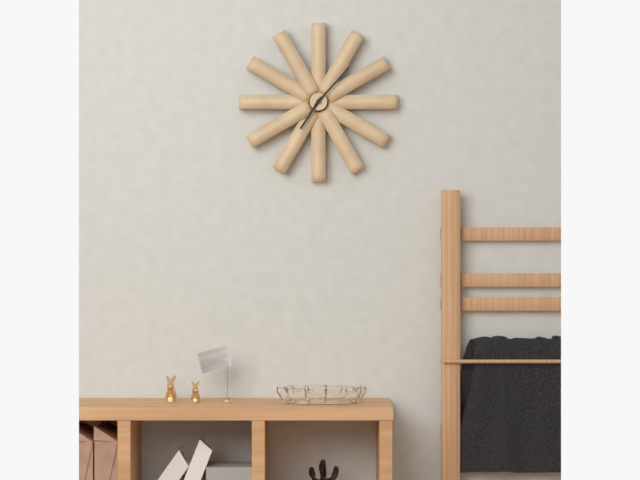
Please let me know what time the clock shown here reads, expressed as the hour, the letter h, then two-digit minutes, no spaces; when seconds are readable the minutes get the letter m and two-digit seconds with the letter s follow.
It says 7h07
